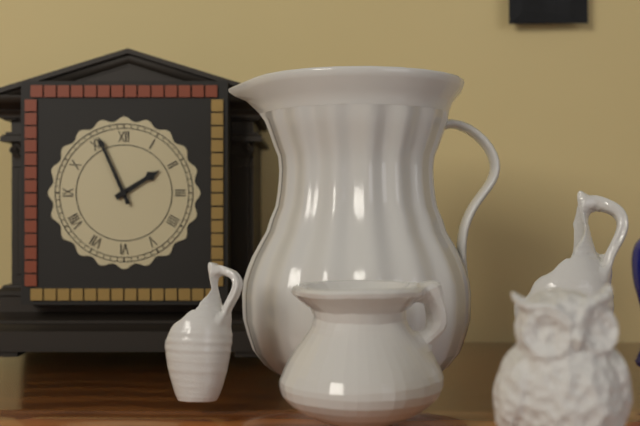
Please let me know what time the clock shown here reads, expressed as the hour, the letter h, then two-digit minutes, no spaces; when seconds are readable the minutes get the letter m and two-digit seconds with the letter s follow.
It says 1h56
